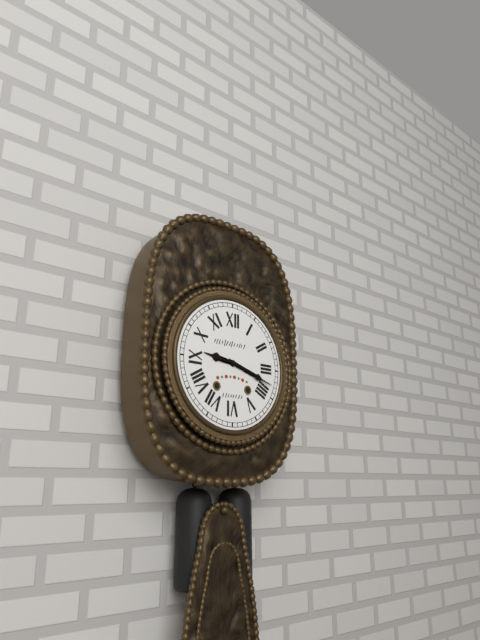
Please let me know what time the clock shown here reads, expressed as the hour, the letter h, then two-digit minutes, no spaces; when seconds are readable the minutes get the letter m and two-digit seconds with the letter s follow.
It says 9h18
